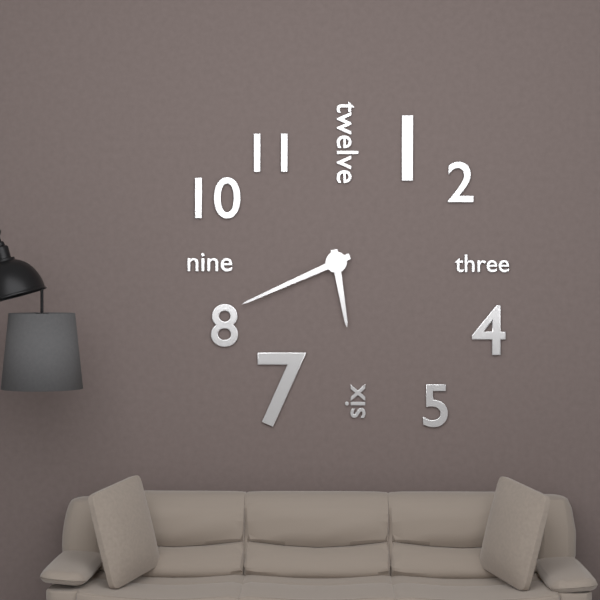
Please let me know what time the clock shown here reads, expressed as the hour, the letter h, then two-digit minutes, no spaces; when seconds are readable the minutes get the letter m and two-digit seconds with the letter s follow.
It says 5h41
